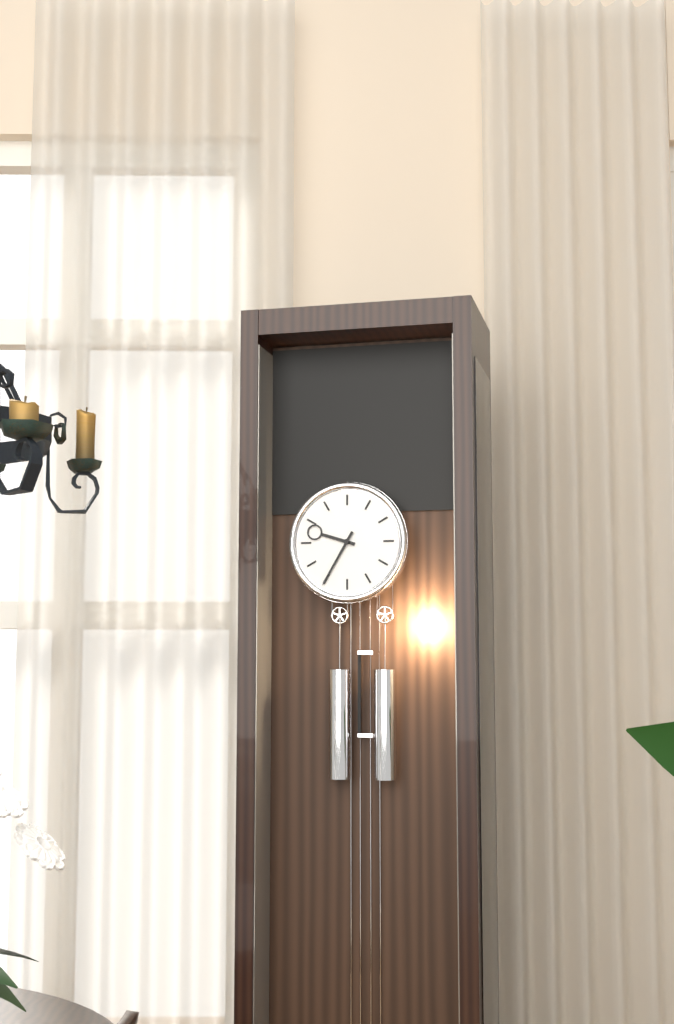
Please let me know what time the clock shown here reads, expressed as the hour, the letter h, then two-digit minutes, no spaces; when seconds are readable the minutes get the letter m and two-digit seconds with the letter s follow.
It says 9h35
